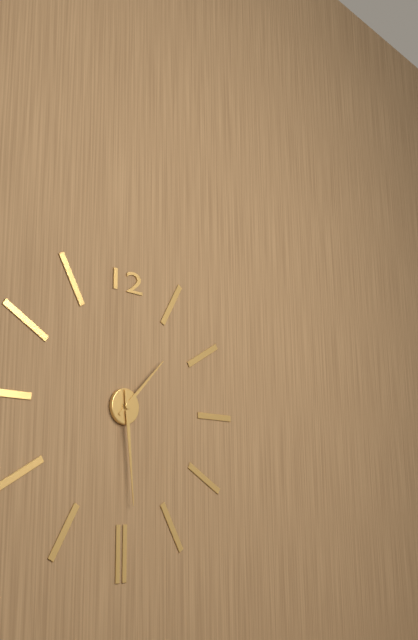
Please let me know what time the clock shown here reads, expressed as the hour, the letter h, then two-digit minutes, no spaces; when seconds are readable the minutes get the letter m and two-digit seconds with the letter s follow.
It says 1h29
